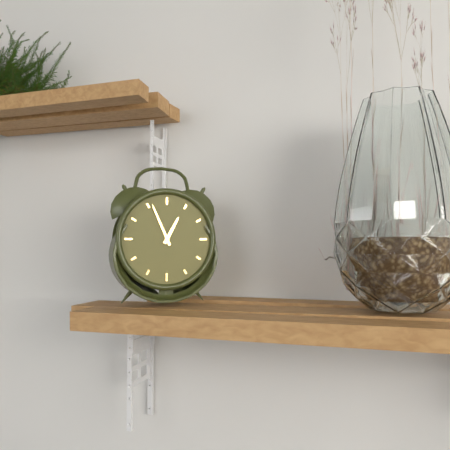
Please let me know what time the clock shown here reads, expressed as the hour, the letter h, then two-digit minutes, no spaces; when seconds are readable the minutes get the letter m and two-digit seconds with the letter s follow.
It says 12h56
